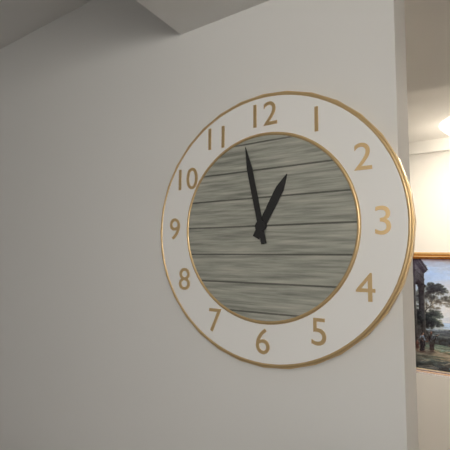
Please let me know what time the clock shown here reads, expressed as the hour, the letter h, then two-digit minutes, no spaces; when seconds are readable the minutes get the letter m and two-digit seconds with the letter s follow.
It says 12h58
